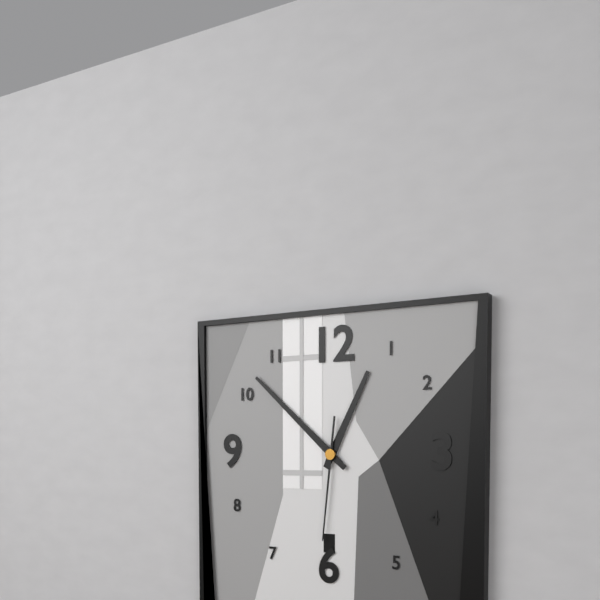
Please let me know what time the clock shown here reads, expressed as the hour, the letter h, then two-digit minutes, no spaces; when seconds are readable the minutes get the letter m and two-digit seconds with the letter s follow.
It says 12h52m31s
